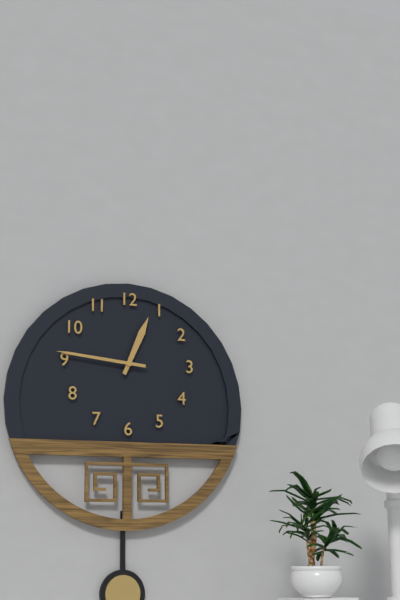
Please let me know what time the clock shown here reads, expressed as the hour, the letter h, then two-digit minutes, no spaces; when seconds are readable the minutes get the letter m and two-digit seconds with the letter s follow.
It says 12h46
